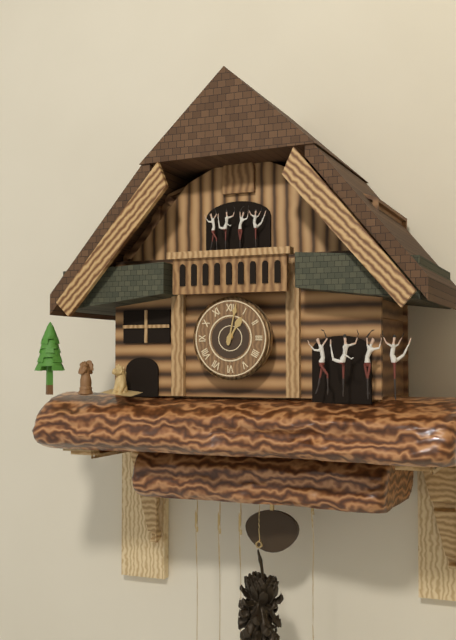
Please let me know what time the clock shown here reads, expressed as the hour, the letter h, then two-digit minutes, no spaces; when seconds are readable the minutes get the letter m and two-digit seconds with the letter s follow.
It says 1h02
